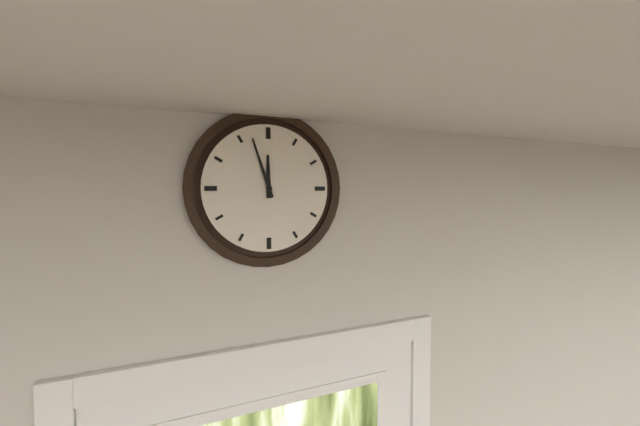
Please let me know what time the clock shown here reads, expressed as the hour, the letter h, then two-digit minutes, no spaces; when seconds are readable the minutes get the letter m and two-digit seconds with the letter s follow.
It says 11h57
